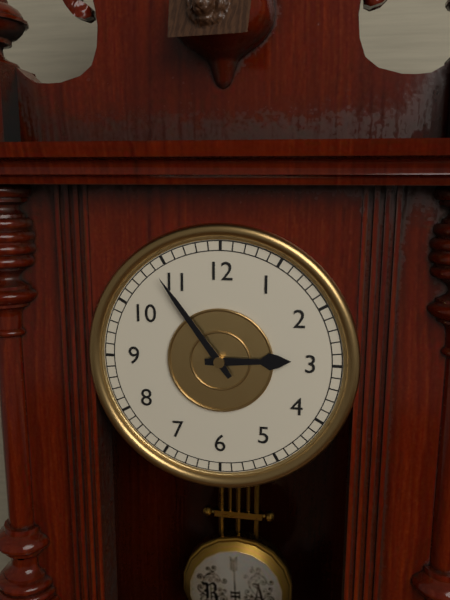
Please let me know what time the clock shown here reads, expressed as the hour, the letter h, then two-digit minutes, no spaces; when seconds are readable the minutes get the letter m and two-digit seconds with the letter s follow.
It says 2h54
